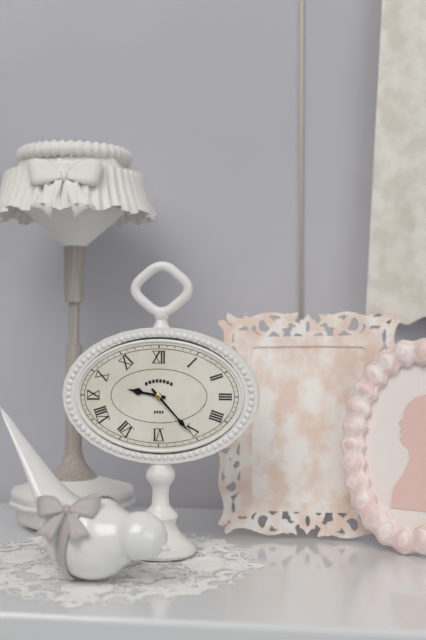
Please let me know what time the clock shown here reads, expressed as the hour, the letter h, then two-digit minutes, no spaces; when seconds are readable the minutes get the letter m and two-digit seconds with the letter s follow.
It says 9h23
